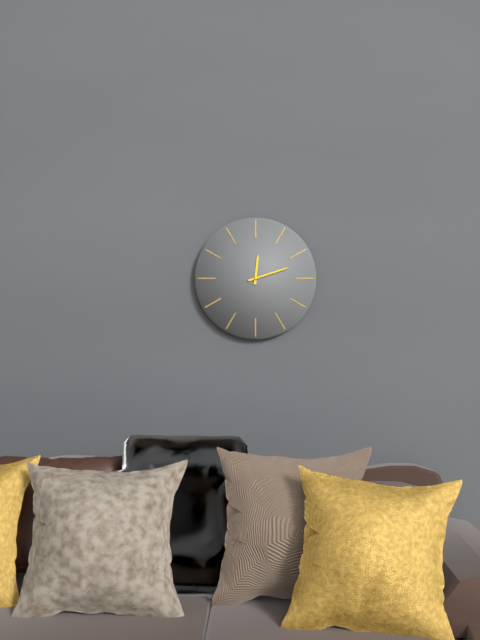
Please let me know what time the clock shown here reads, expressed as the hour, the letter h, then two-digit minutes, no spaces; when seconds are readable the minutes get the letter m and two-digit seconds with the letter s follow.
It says 12h12
